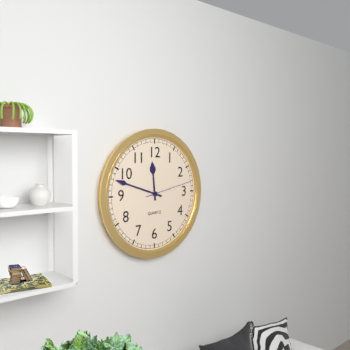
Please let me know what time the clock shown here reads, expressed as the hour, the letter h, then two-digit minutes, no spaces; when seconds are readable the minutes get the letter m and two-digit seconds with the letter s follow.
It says 11h48
